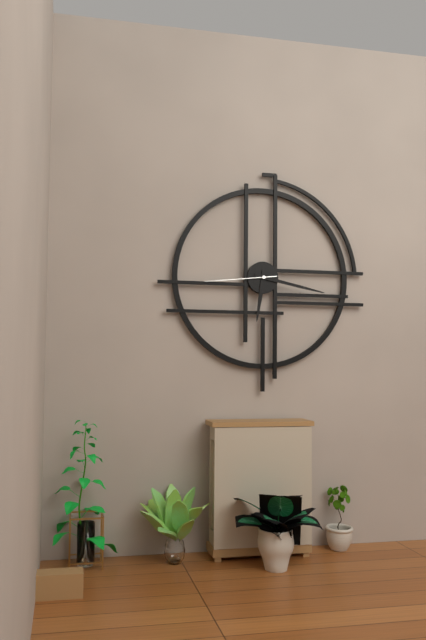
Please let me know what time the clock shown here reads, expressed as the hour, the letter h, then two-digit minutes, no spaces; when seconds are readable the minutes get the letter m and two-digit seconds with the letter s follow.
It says 6h17m44s
